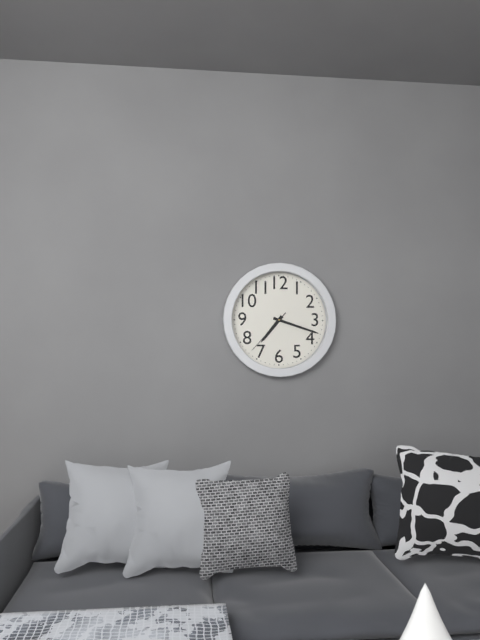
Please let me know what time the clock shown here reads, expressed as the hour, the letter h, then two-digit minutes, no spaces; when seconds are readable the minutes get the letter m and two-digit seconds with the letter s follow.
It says 7h18m37s
